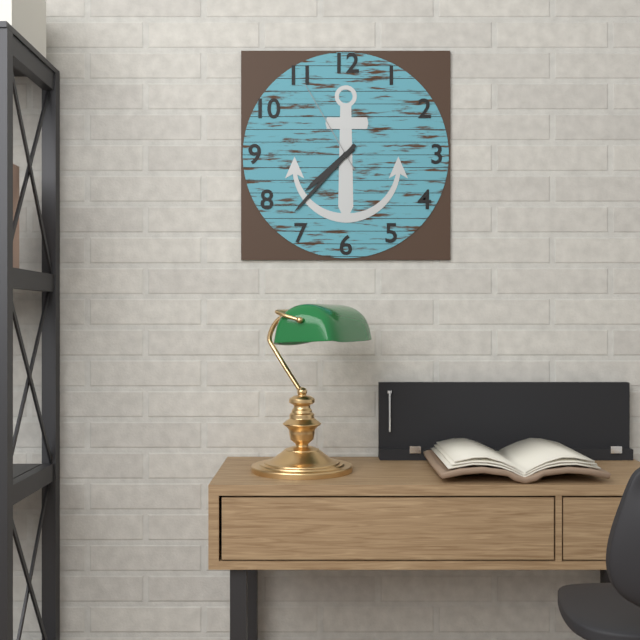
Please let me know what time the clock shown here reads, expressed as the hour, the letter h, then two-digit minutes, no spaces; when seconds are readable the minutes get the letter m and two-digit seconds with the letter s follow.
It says 7h37m55s
